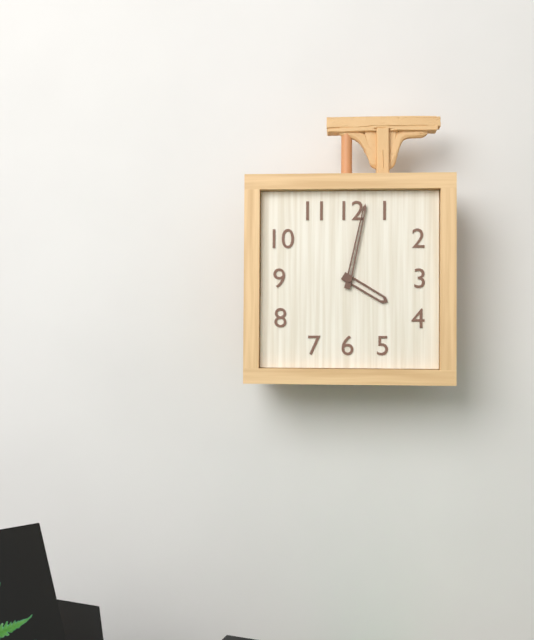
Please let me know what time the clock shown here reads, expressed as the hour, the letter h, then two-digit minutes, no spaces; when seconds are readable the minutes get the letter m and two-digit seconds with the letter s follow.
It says 4h02
